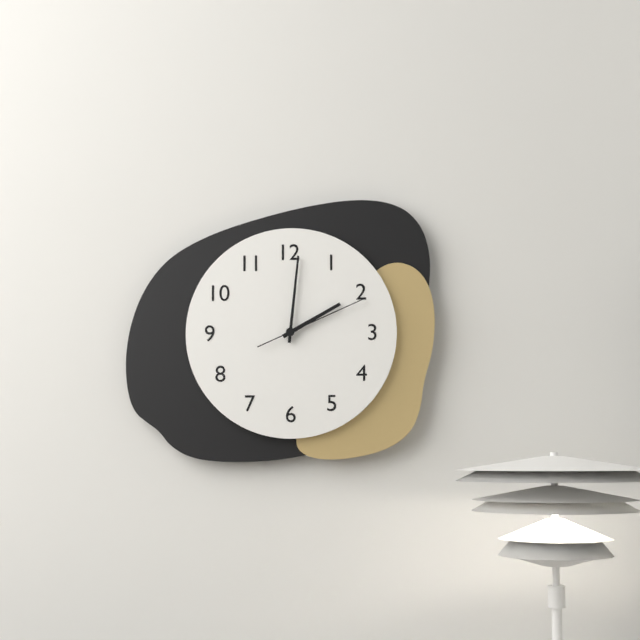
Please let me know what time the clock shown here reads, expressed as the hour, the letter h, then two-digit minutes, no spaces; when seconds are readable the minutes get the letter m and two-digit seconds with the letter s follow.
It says 2h01m11s
